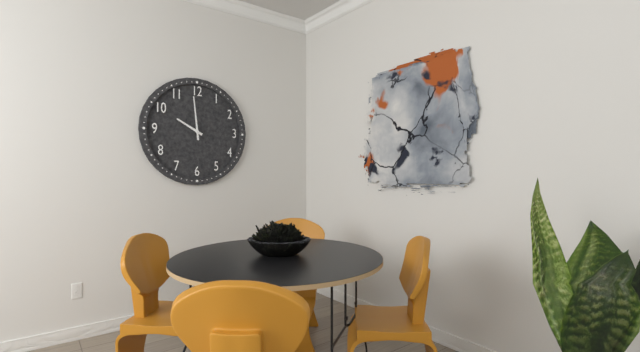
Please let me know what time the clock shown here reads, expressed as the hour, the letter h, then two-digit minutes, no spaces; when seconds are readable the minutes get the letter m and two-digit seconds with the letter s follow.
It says 9h59
